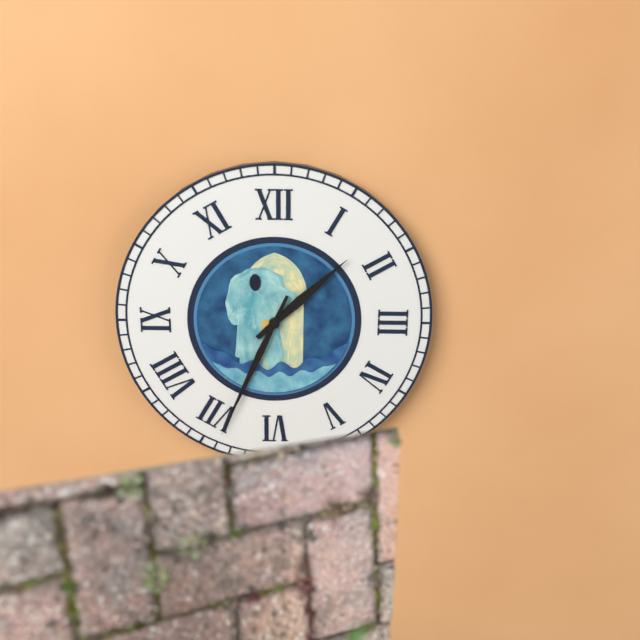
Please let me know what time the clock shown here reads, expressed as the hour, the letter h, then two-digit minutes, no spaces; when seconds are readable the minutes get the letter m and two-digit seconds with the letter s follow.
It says 1h34
